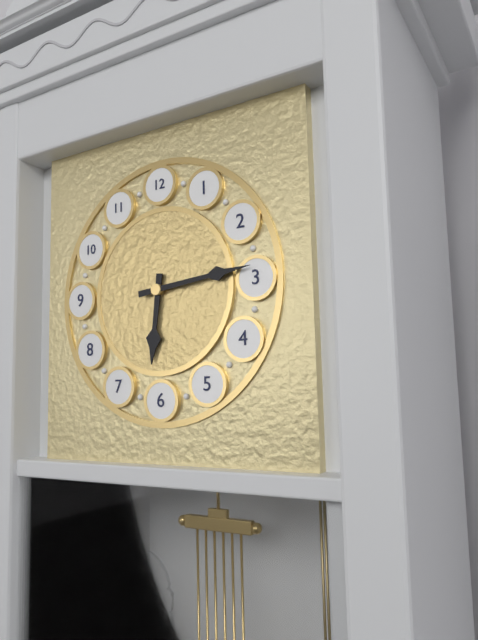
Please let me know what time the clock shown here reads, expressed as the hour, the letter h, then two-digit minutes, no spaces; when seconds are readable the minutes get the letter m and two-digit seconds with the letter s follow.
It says 6h14
